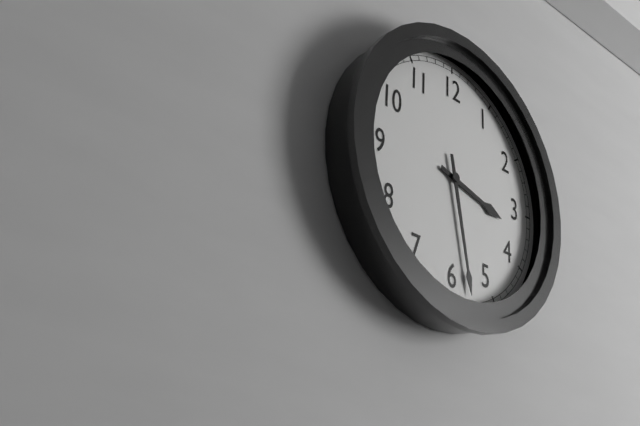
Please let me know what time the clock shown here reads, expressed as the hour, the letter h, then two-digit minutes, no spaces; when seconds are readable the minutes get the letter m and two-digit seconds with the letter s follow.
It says 3h28
